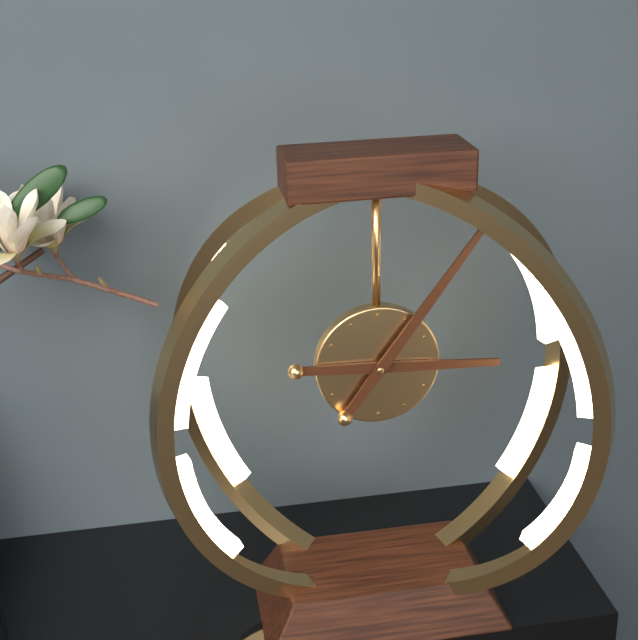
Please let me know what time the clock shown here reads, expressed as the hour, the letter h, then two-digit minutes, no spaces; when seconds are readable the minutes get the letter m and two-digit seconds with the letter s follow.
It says 3h06
